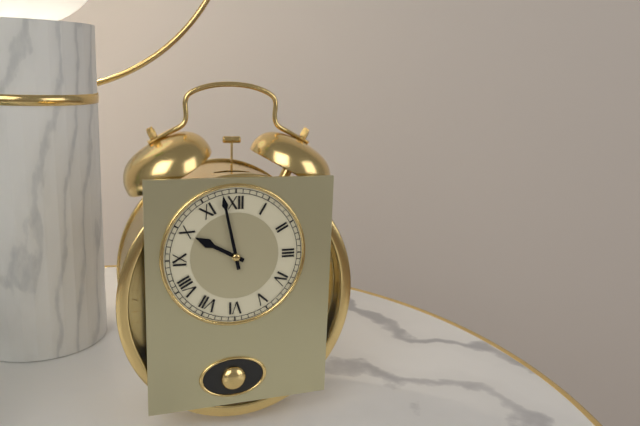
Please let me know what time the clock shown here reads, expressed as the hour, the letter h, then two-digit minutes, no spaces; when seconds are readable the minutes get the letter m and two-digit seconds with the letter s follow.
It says 9h58
